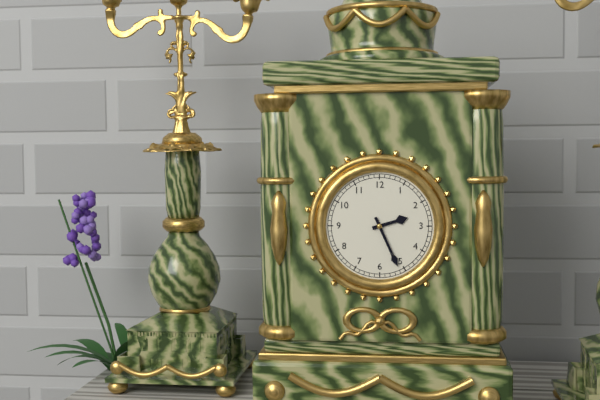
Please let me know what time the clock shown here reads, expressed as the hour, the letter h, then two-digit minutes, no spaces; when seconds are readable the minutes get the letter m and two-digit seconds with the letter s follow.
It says 2h26
